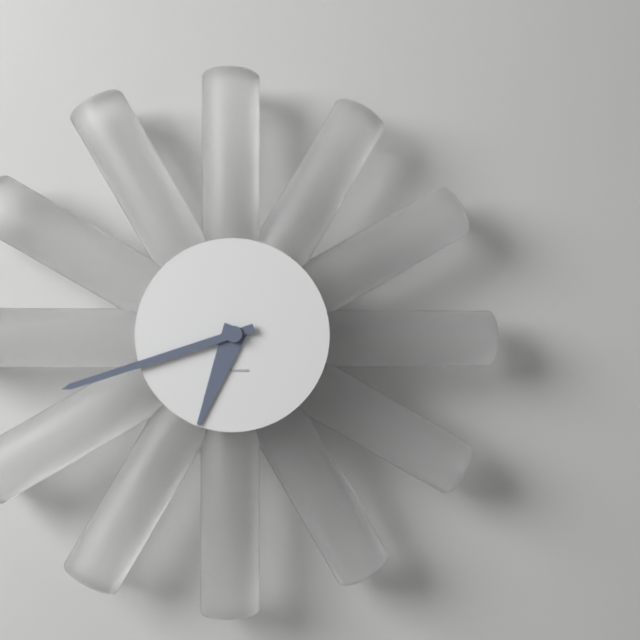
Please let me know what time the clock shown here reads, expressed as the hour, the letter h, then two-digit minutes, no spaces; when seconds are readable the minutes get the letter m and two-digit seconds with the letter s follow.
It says 6h42
